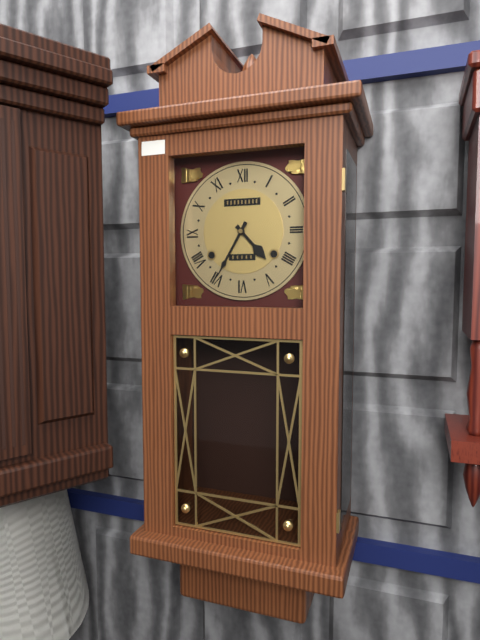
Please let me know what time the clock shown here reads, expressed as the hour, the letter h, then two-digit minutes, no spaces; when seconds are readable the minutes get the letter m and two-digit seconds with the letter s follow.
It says 4h35
